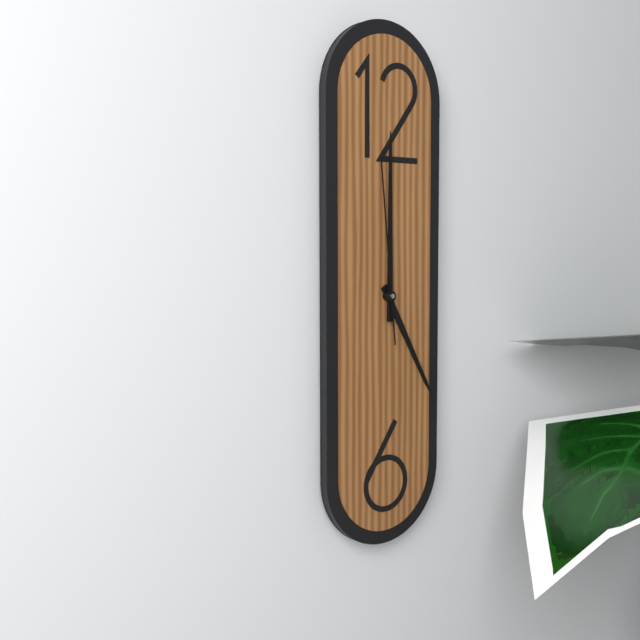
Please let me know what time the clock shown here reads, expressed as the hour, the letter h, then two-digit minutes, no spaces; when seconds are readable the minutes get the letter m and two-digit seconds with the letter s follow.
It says 5h00m59s
